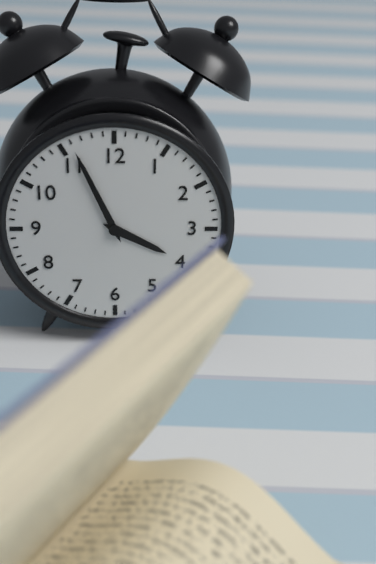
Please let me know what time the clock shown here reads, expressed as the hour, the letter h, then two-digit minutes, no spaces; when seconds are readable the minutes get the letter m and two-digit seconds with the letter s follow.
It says 3h56
